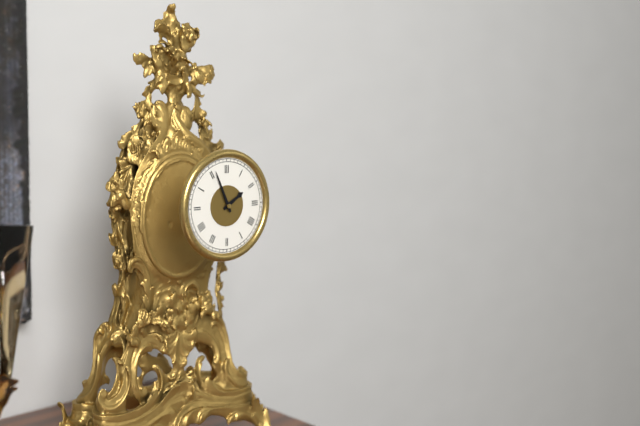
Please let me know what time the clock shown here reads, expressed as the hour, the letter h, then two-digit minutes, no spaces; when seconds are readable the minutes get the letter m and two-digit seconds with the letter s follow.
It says 1h56
